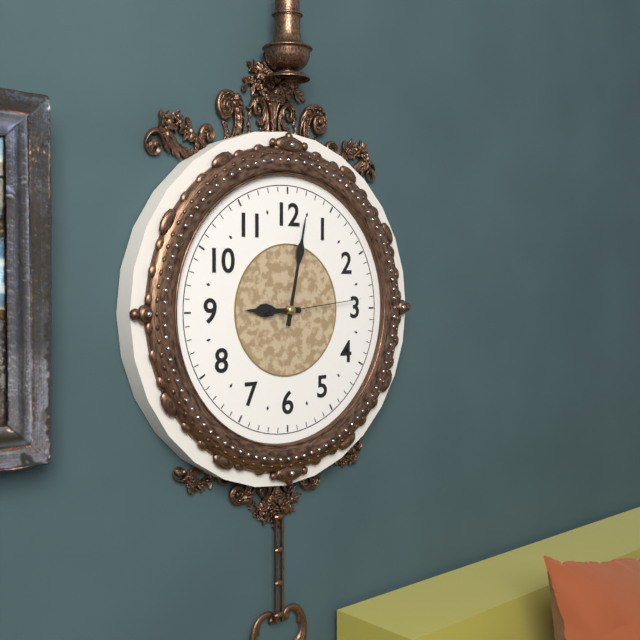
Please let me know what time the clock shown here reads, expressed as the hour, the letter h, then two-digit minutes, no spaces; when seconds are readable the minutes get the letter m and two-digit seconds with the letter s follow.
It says 9h02m14s
